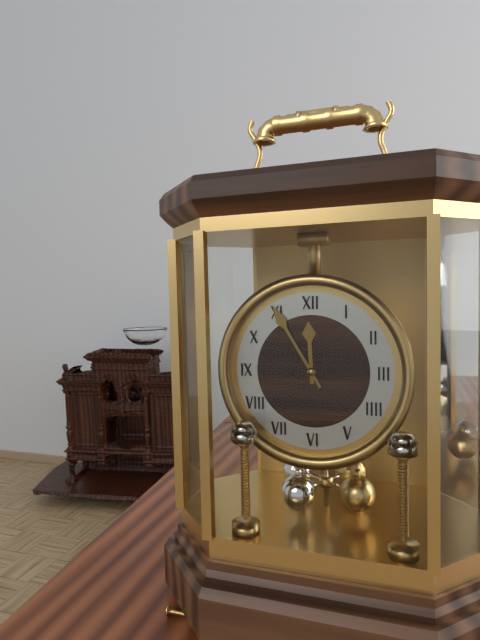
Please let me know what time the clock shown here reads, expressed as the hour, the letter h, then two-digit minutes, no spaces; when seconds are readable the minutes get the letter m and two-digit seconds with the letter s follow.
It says 11h55
